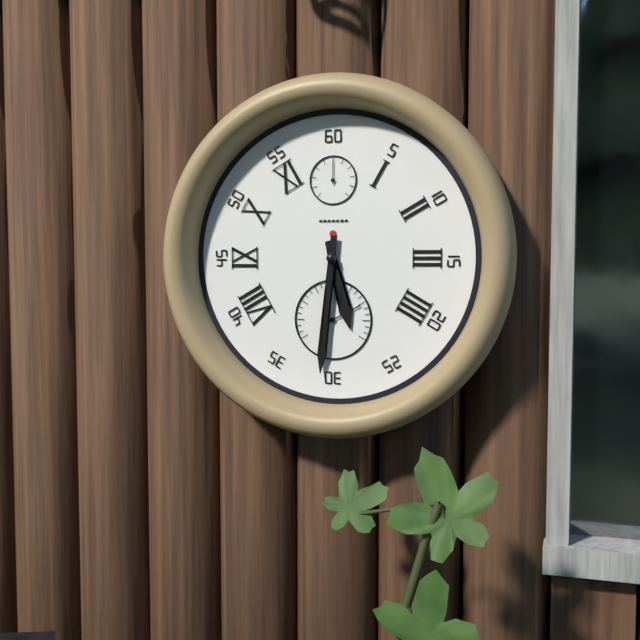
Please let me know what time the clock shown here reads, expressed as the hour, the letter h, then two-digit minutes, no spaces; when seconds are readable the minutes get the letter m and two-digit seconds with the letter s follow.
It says 5h31
